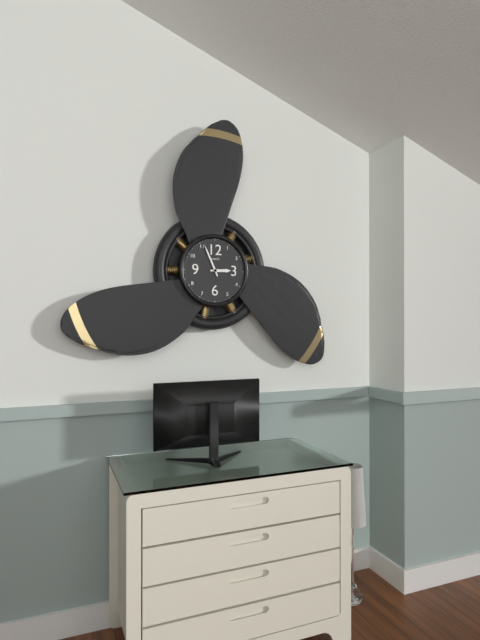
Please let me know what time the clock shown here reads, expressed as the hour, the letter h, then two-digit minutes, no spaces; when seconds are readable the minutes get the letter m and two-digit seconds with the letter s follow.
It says 2h56
